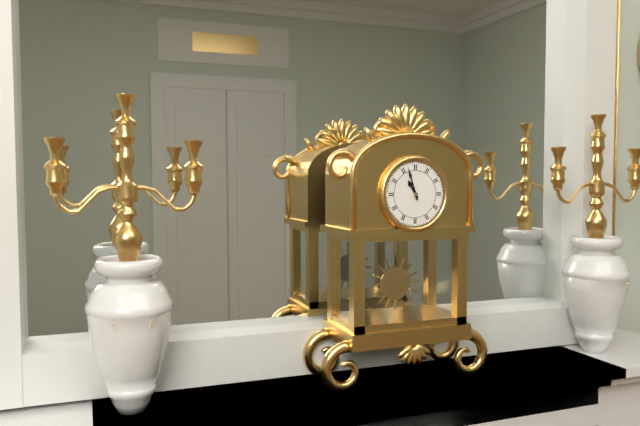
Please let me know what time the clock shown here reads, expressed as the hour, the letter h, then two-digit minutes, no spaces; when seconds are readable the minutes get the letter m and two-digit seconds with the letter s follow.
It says 10h57
